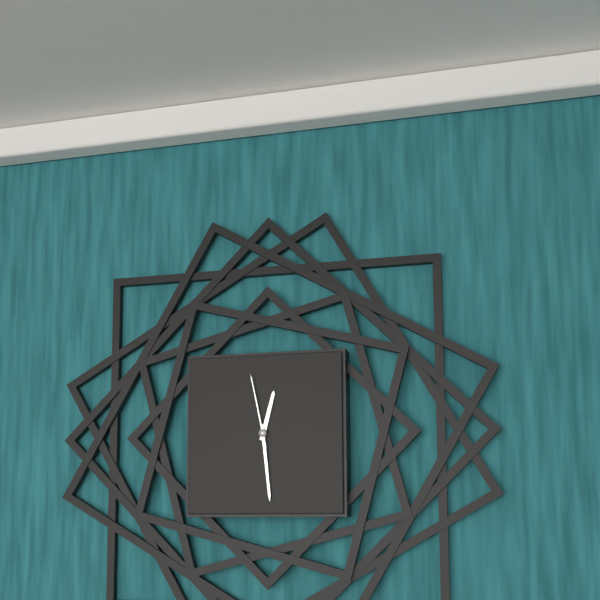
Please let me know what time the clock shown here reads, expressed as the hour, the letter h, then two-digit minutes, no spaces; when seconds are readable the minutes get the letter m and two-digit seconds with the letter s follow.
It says 12h29m58s
